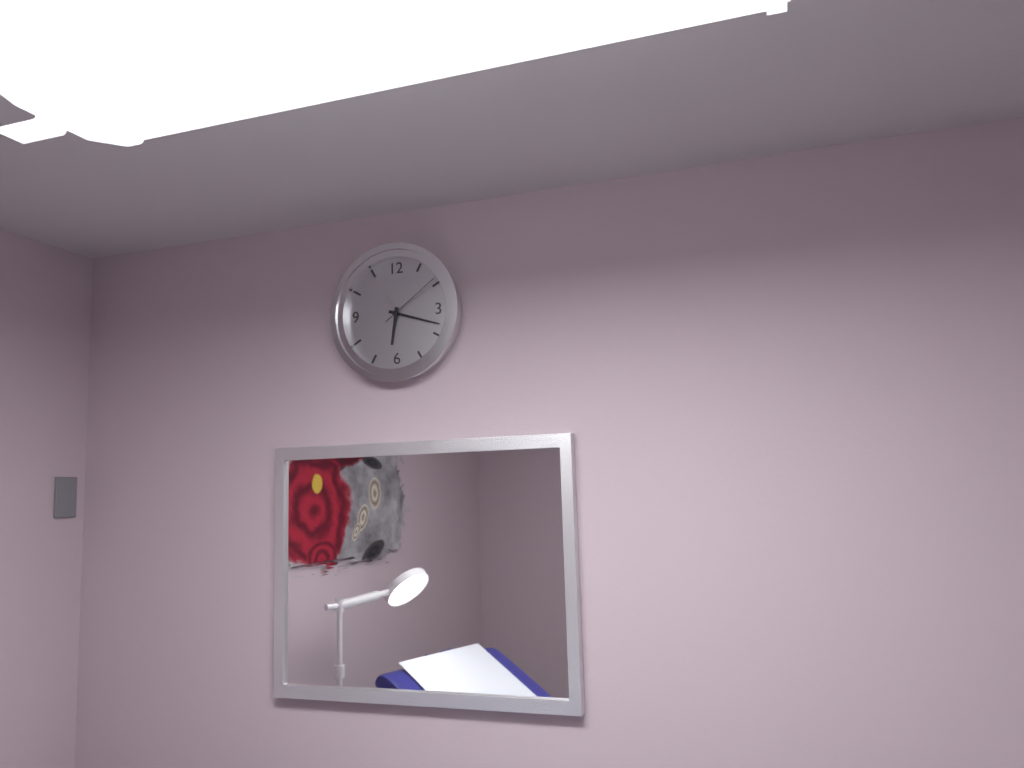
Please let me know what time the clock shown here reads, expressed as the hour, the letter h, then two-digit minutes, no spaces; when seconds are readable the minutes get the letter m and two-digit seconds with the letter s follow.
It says 6h18m09s
